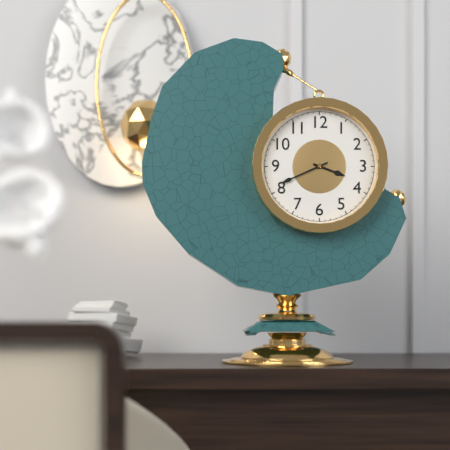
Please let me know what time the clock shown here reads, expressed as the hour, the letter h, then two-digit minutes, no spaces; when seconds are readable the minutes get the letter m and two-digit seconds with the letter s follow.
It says 3h41
